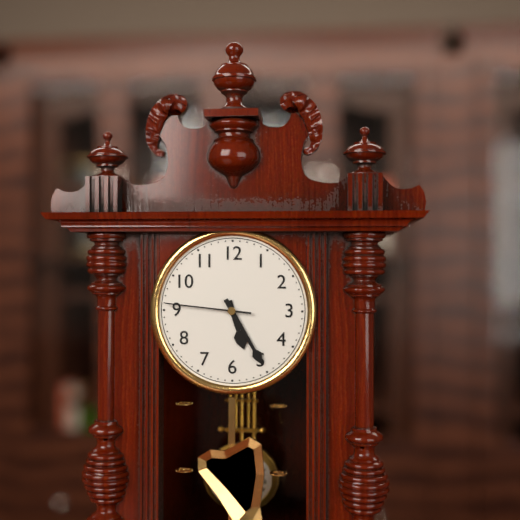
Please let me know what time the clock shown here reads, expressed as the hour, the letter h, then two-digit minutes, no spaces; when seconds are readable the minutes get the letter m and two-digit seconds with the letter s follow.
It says 5h25m46s
